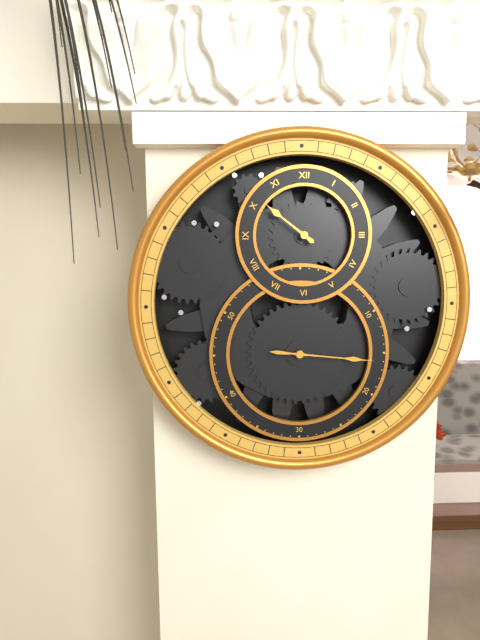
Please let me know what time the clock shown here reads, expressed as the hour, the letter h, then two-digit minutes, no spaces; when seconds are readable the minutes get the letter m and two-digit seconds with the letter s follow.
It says 10h16
